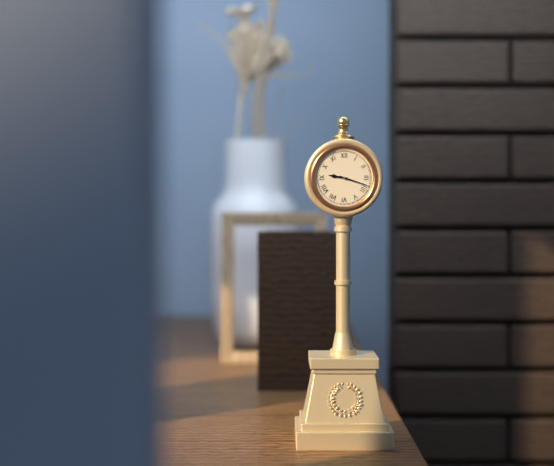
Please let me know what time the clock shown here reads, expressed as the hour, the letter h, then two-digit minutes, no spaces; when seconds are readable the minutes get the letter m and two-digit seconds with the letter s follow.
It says 9h18
